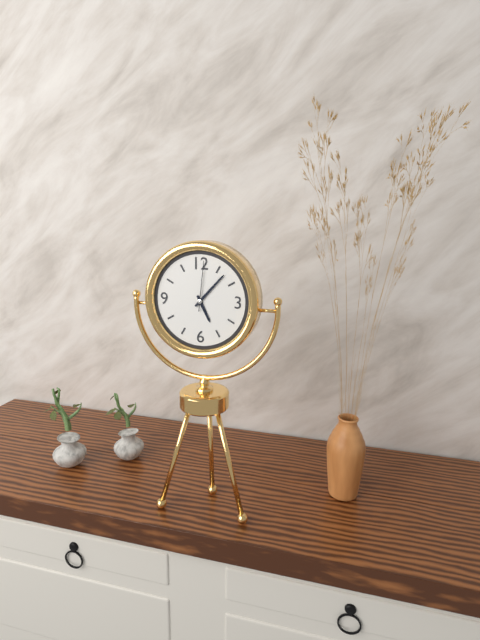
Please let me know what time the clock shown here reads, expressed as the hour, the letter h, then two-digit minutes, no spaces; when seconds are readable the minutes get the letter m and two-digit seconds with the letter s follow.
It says 5h07m01s
